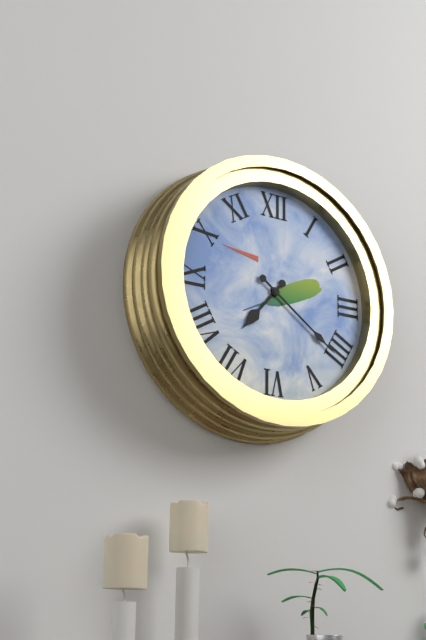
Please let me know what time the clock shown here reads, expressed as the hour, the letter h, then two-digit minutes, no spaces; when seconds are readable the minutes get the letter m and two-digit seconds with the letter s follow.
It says 7h21
